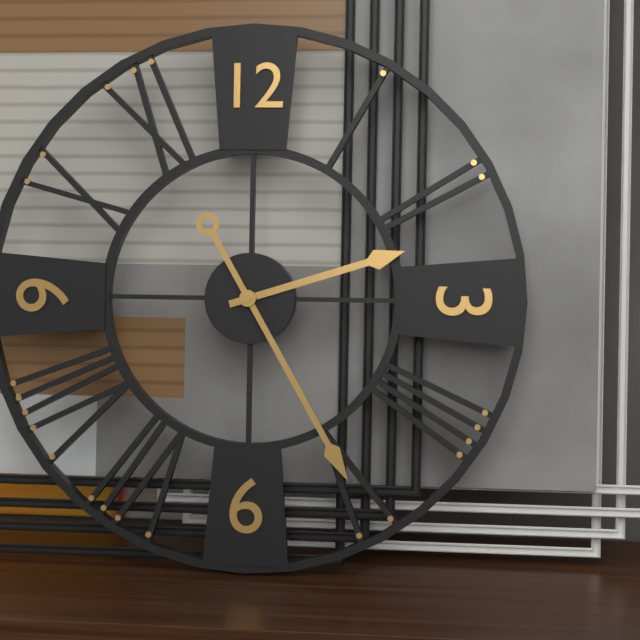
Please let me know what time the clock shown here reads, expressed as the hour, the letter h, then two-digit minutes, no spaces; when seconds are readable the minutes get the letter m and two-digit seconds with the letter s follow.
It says 2h25
